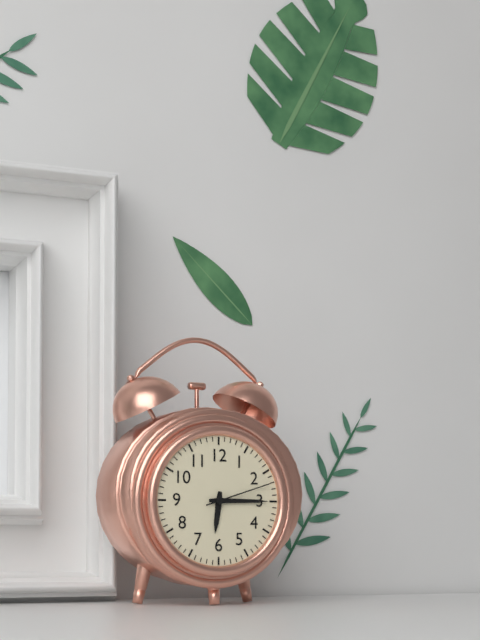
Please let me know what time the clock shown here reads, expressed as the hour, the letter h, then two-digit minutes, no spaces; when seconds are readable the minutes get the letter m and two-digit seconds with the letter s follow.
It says 6h15m12s
